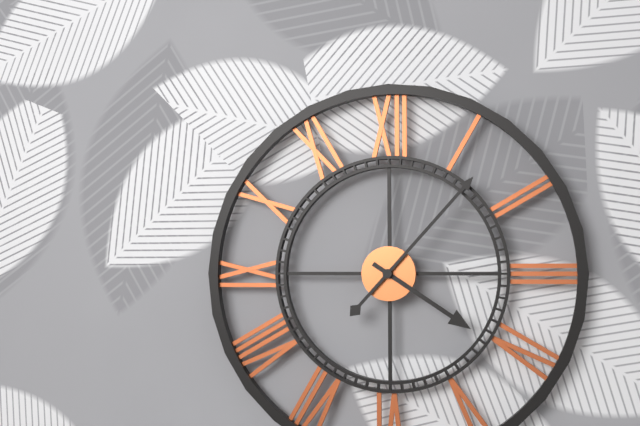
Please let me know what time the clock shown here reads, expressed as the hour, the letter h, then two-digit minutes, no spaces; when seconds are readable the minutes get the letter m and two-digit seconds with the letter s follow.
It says 4h07
